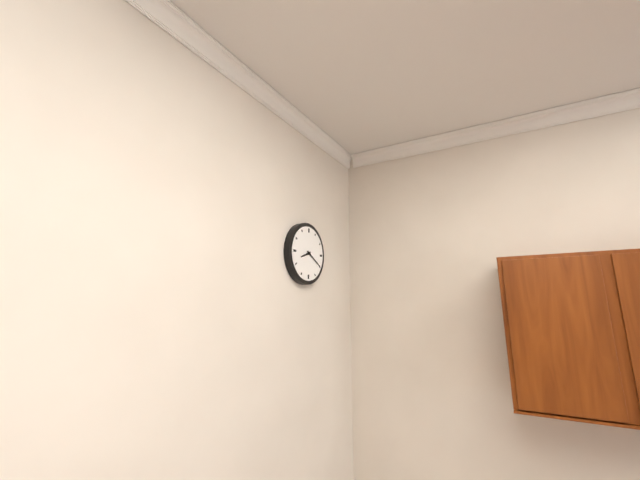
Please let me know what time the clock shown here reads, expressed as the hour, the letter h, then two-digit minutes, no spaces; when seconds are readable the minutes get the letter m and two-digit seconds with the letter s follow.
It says 8h20
